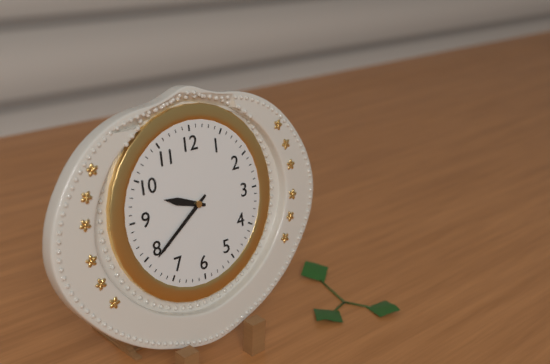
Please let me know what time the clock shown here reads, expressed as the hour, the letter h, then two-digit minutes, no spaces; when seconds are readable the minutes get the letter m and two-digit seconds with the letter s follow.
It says 9h39
